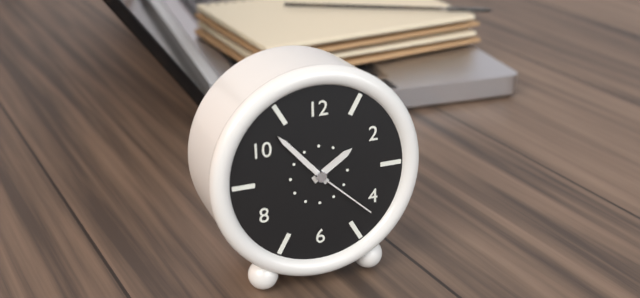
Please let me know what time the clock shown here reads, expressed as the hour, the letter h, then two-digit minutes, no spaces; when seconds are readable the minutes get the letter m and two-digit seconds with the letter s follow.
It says 1h53m22s
